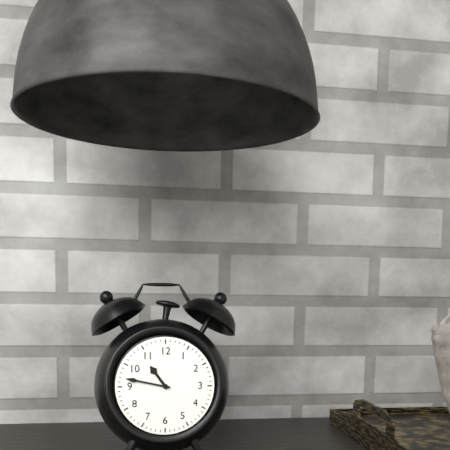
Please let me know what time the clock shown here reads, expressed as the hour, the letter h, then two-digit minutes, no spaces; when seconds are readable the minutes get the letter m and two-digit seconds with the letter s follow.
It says 10h47
